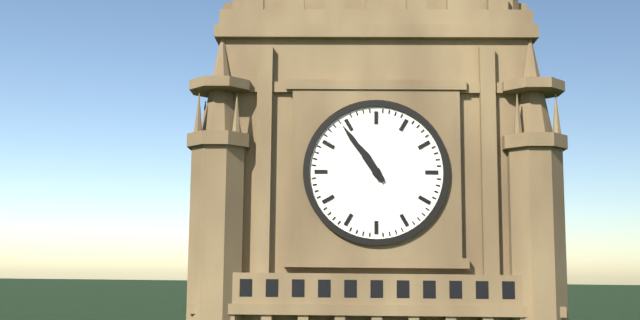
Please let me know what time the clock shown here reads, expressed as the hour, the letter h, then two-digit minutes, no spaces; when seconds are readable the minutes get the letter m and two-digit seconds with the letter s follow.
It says 10h54
